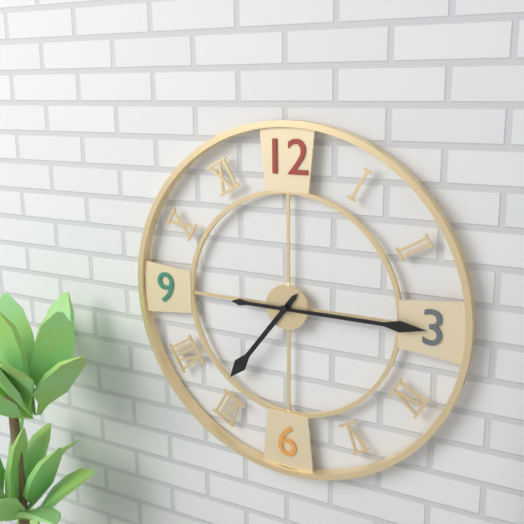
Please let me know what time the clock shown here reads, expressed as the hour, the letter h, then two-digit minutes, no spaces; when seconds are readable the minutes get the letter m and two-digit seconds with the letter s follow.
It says 7h15
